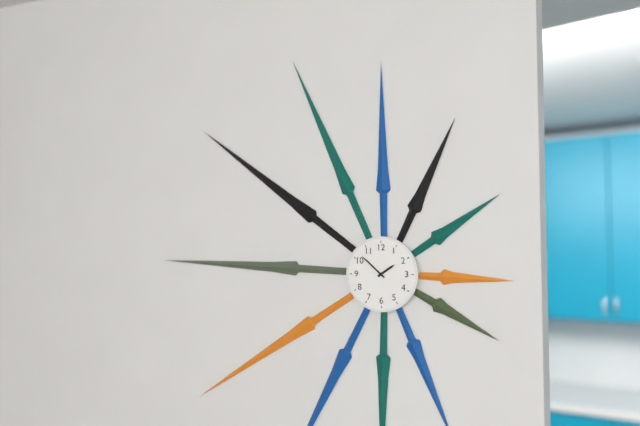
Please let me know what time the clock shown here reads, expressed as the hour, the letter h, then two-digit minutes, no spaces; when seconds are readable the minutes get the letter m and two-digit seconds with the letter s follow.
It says 1h52
